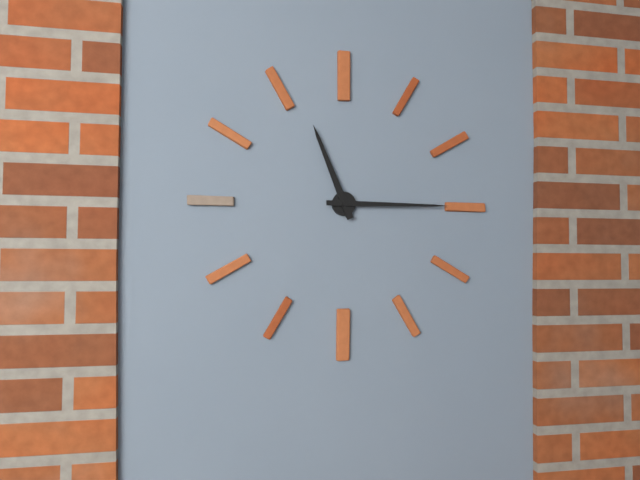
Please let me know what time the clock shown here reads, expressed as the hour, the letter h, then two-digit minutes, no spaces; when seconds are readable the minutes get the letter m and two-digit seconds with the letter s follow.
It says 11h15
